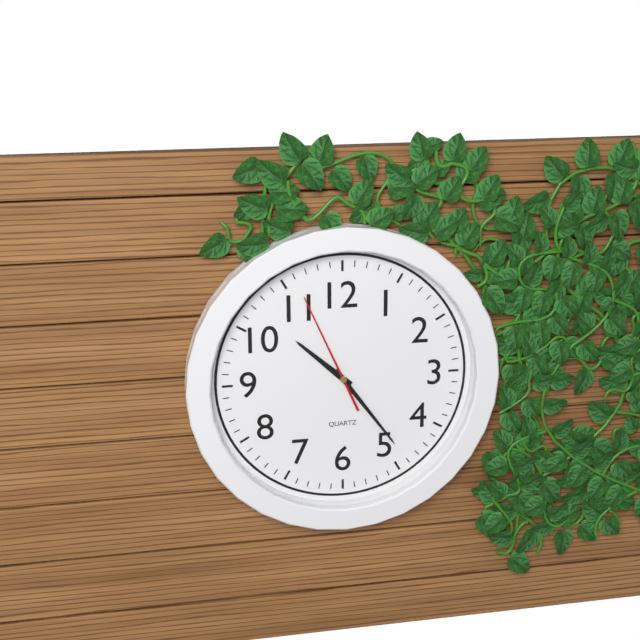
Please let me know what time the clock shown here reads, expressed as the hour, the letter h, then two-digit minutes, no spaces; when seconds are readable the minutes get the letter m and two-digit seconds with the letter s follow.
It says 10h24m56s
